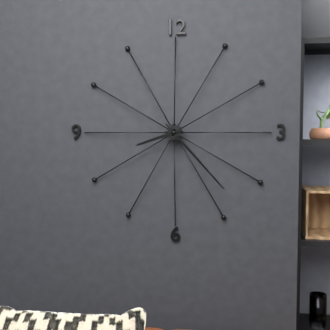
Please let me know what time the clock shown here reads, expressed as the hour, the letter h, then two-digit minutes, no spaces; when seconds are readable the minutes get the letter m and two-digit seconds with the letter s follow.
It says 8h23
